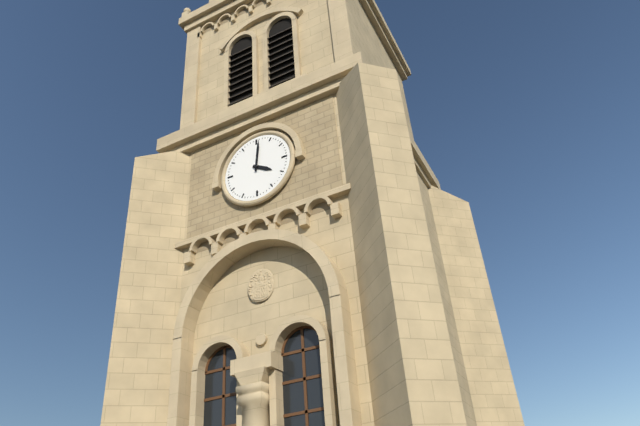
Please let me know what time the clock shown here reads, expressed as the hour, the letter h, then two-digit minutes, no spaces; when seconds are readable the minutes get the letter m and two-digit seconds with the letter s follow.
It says 4h01
